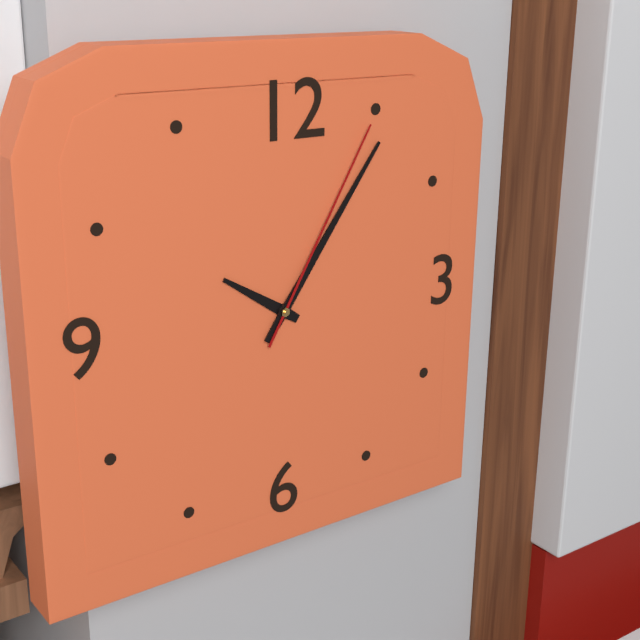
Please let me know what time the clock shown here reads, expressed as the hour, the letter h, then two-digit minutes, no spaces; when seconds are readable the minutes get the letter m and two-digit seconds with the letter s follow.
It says 10h06m05s
